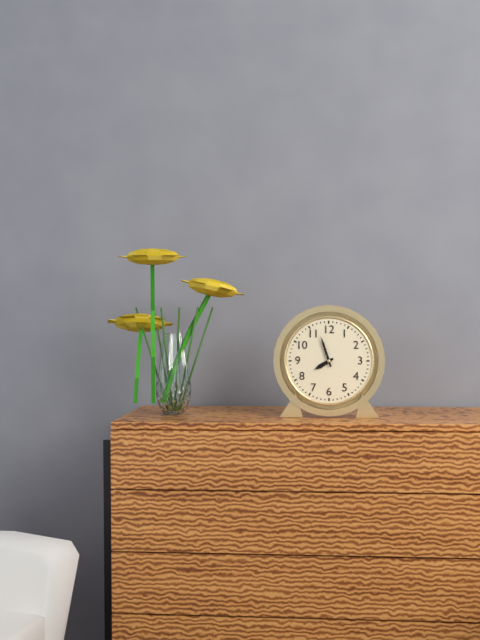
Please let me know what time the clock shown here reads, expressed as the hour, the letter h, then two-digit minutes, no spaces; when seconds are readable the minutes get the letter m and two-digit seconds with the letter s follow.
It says 7h57
